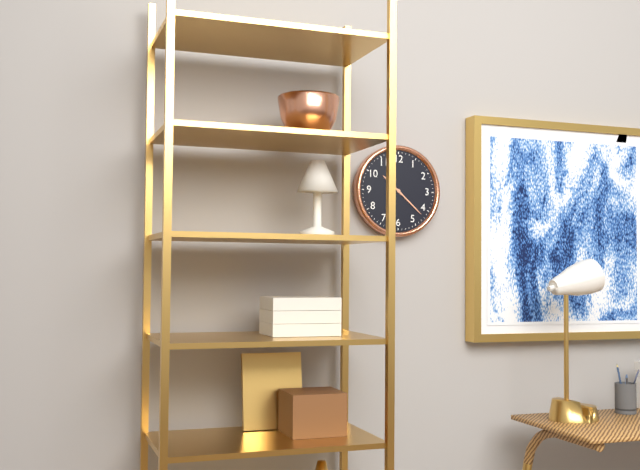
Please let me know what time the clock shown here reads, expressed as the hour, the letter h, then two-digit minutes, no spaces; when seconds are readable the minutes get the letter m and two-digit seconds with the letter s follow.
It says 10h22
